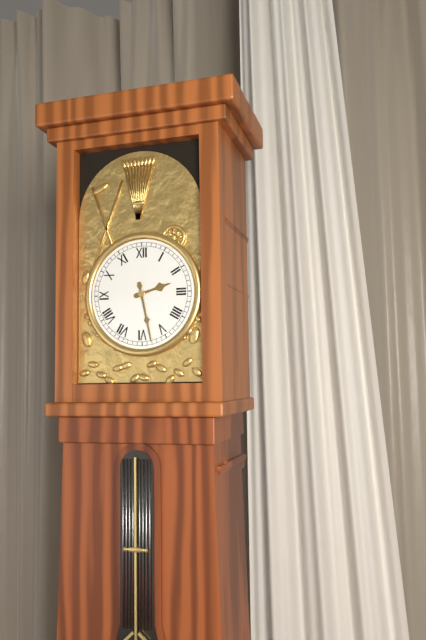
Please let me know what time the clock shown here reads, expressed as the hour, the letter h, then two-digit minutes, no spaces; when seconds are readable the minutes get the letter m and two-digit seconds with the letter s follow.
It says 2h28
